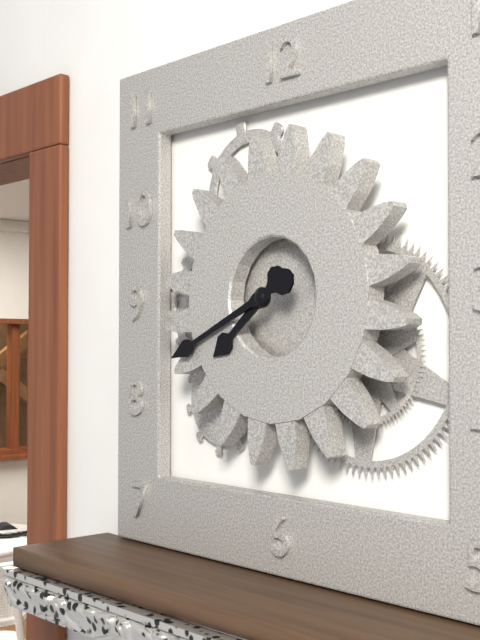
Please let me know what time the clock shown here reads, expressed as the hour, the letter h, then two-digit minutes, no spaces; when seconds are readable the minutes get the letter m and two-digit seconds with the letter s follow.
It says 7h41
